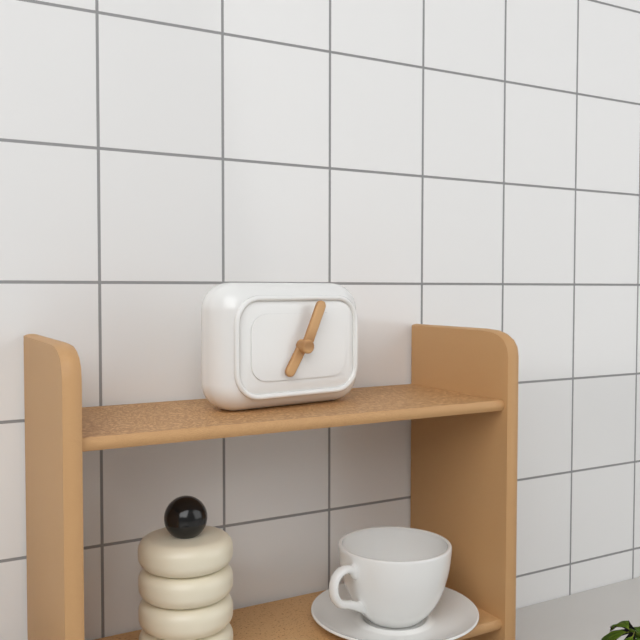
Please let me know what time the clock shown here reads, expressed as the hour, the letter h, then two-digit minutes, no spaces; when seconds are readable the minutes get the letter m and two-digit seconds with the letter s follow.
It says 7h04
